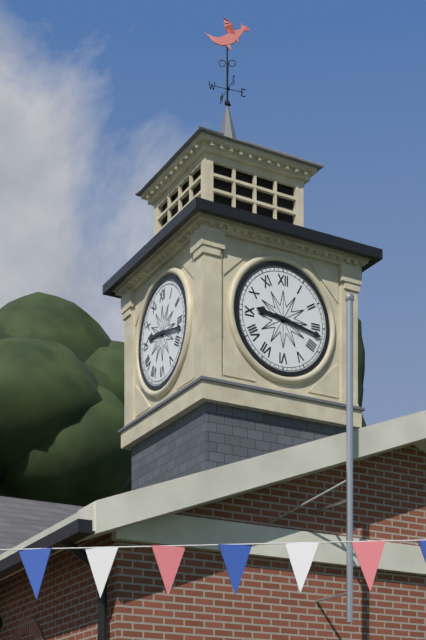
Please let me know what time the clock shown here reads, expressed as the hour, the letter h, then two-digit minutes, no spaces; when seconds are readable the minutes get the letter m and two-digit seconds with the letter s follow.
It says 9h17
